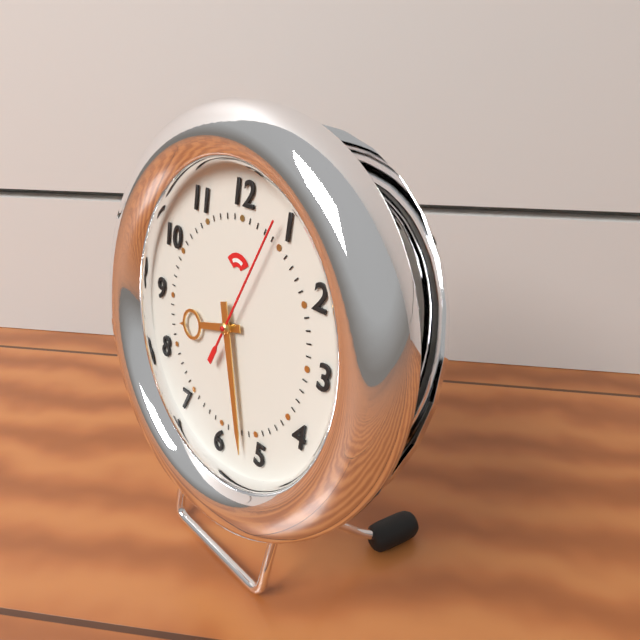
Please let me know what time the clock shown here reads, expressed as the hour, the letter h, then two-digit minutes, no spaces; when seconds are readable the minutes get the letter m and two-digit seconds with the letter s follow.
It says 8h27m04s
